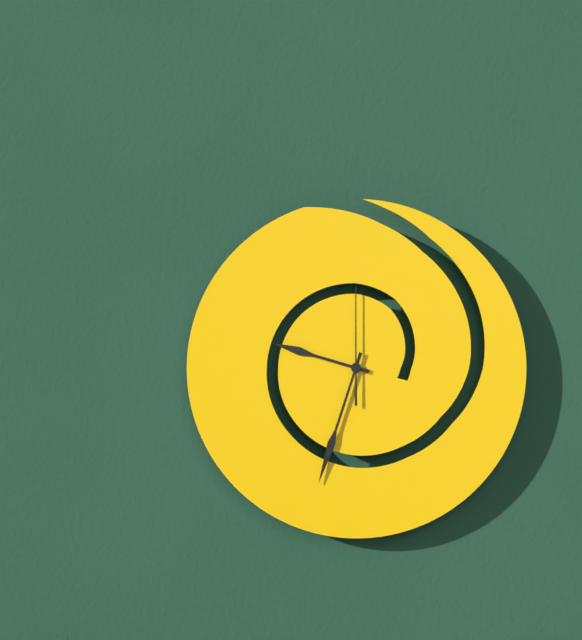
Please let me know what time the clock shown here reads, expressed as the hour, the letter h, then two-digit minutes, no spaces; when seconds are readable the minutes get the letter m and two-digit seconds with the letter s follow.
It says 9h33m00s
